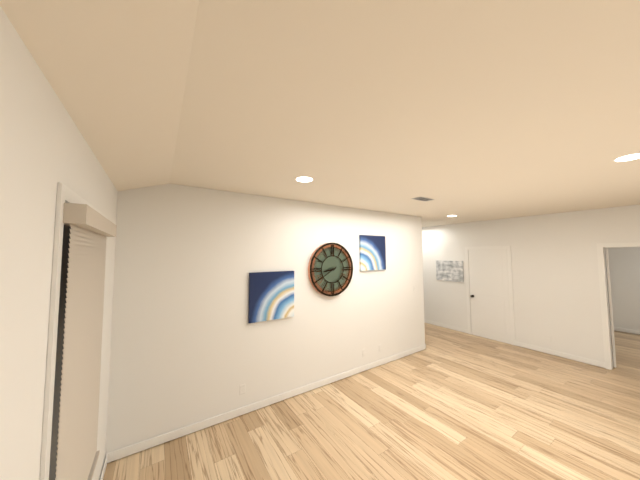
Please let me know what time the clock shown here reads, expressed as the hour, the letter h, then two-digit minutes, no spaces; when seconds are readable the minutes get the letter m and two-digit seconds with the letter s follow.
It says 8h40
